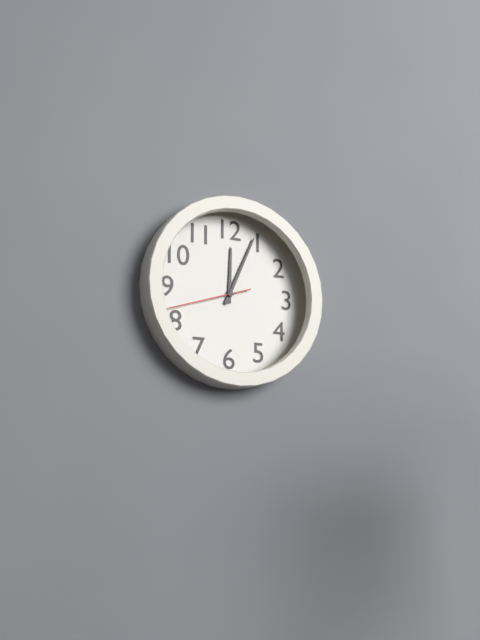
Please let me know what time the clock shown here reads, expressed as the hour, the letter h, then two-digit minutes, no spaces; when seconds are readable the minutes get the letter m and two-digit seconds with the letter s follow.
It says 12h04m42s
